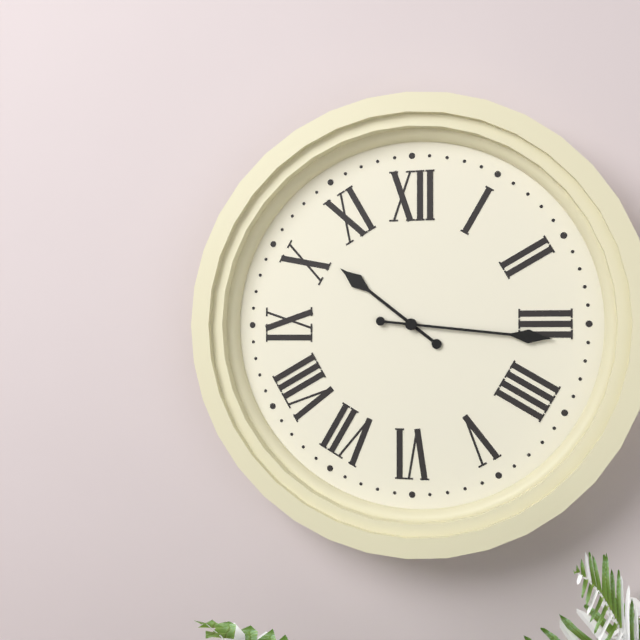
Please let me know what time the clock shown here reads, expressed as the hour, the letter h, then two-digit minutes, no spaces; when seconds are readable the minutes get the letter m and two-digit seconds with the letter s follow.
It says 10h16
